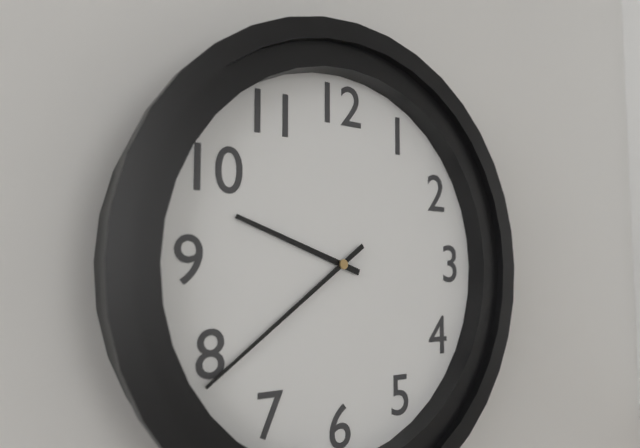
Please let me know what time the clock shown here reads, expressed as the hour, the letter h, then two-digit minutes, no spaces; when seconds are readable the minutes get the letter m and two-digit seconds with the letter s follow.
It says 9h39
